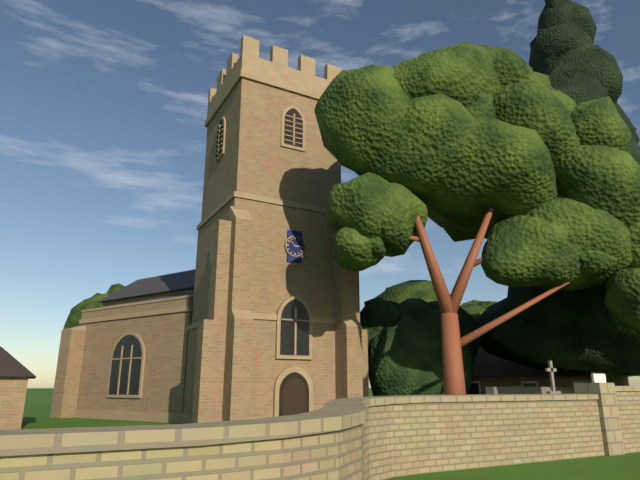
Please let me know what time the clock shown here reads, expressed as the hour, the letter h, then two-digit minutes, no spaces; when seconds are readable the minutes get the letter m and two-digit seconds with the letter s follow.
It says 2h52
